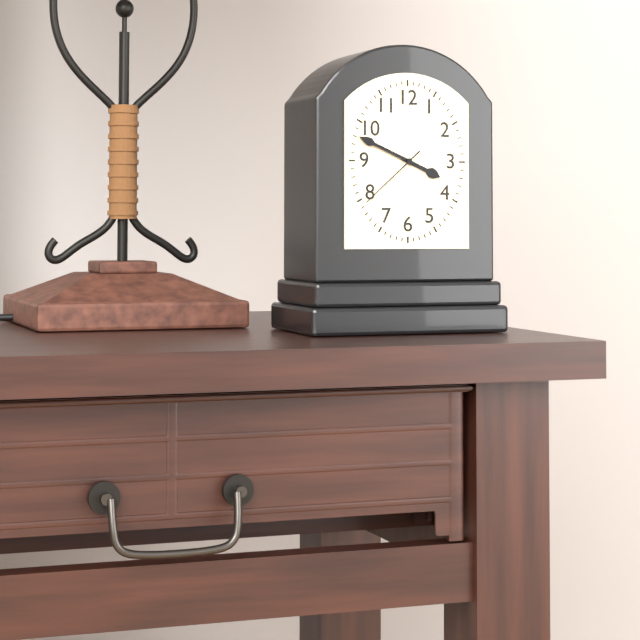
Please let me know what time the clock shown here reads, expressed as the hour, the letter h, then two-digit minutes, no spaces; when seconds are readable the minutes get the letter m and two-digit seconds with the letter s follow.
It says 3h49m38s
